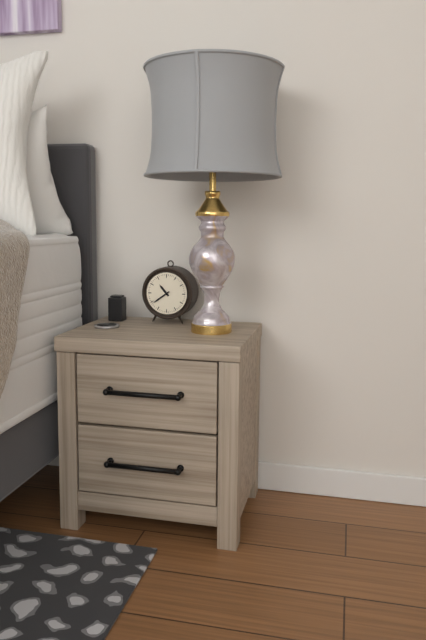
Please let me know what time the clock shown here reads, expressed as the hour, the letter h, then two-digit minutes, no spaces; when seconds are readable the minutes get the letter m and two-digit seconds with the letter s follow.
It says 10h39
